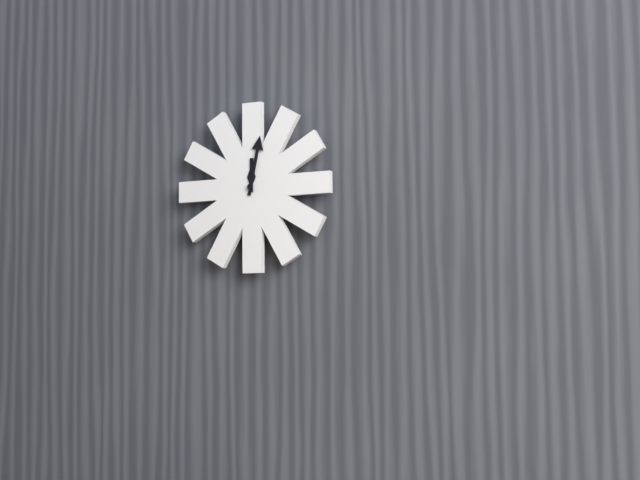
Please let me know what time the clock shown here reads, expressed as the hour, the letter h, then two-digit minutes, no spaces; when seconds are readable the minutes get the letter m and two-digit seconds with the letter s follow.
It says 12h02
